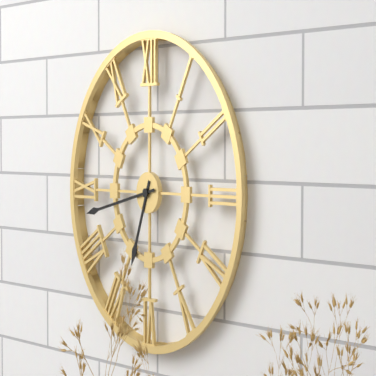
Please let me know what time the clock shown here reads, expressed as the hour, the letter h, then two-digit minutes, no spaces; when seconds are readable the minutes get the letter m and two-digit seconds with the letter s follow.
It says 6h43
